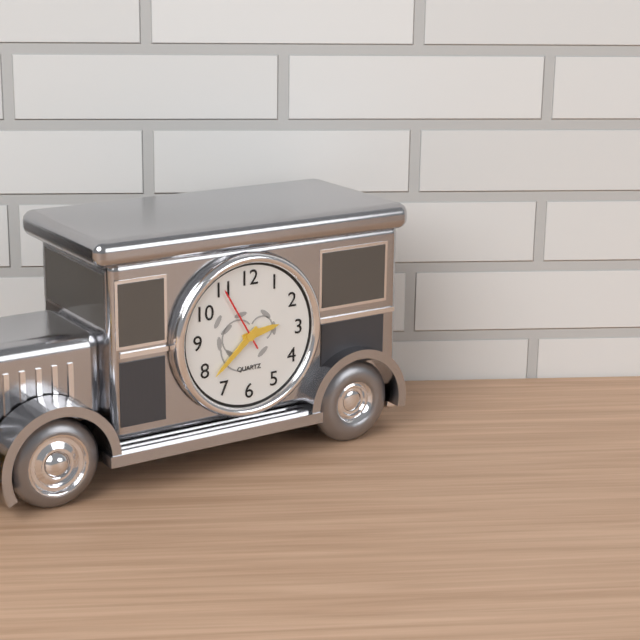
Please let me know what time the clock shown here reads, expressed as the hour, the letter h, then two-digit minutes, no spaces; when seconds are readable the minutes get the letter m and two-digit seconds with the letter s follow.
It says 2h38m55s
